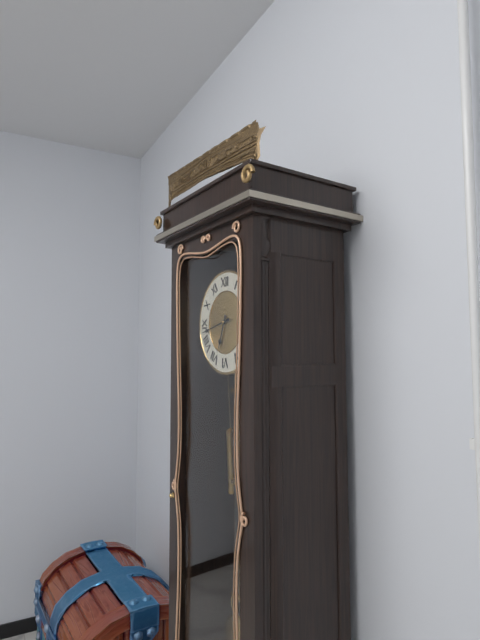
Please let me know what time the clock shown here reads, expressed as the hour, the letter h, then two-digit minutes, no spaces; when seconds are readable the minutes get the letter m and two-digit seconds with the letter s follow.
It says 6h43
